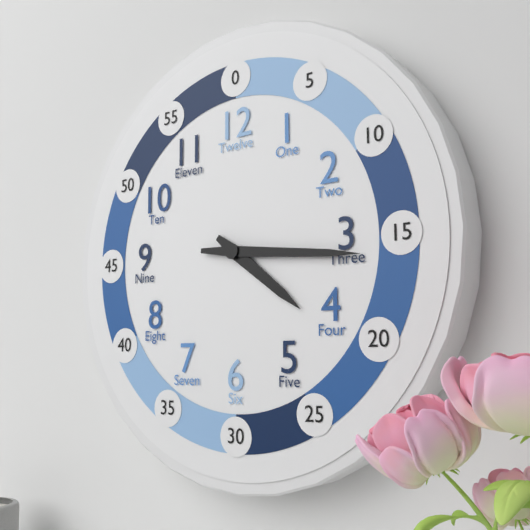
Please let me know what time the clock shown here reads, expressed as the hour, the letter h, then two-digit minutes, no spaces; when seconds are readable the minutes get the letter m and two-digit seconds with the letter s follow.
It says 4h16
